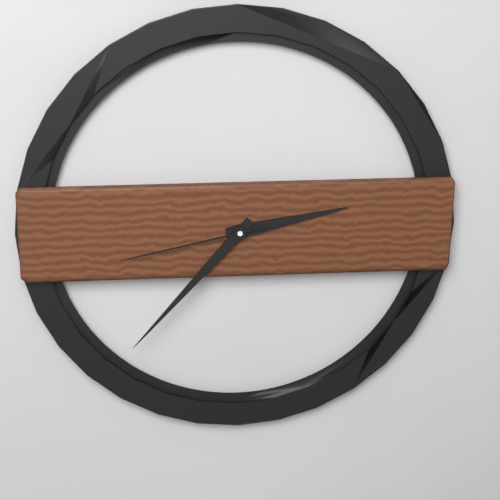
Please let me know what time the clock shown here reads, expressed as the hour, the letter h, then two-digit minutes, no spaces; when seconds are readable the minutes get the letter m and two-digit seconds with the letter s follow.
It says 2h37m43s
